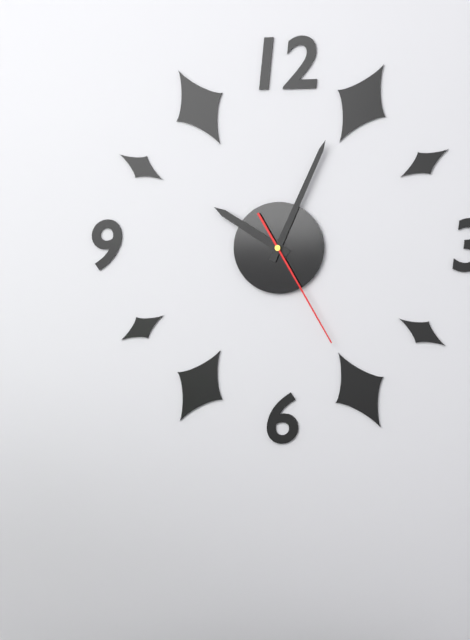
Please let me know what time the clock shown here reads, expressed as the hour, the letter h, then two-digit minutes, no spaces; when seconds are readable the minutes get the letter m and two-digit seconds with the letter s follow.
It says 10h04m25s
